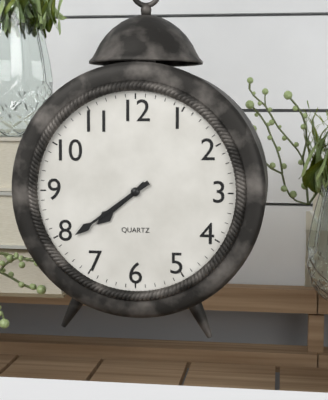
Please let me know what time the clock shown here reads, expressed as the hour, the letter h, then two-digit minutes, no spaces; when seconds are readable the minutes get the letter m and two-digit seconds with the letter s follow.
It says 7h39
